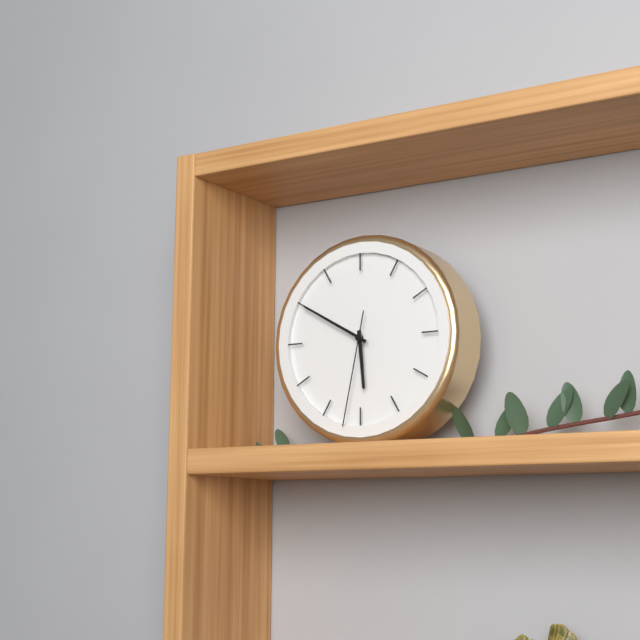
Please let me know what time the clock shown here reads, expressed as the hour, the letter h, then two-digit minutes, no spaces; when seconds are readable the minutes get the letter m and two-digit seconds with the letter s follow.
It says 5h50m32s
